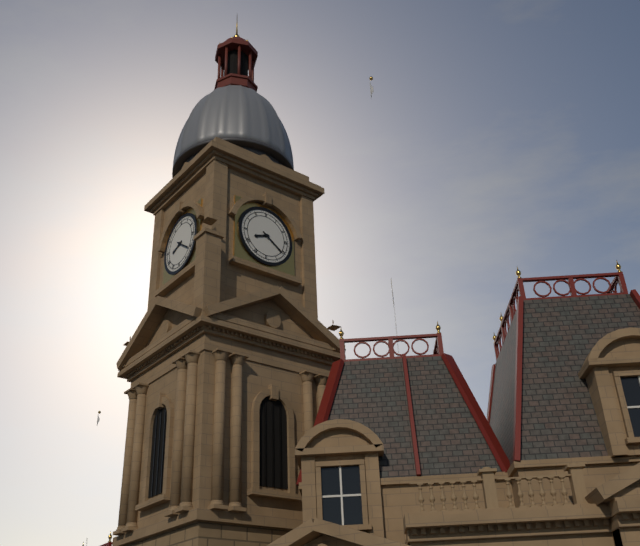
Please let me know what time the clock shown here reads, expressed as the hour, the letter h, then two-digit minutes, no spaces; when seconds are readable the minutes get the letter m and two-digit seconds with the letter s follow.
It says 8h21
